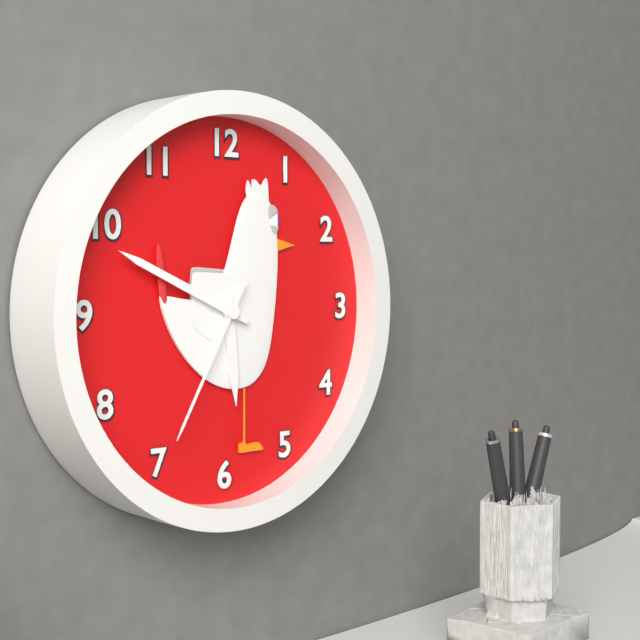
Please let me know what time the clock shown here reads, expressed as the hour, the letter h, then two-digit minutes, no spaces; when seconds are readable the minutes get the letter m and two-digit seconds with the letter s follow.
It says 5h49m35s
